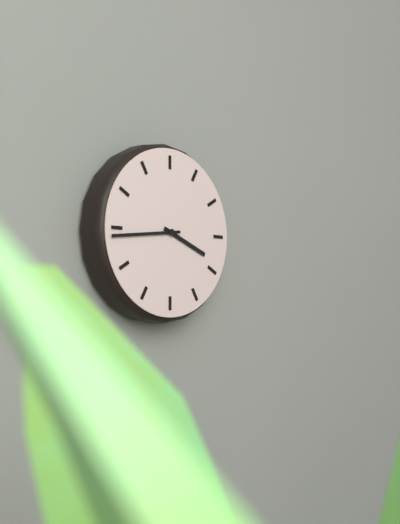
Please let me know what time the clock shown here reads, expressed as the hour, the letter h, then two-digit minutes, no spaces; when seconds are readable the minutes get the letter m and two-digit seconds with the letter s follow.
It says 3h44
